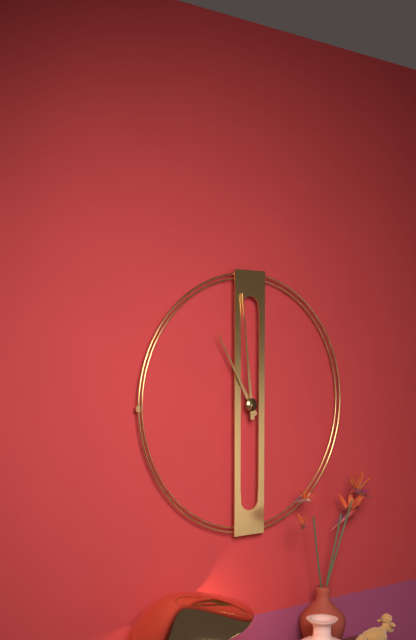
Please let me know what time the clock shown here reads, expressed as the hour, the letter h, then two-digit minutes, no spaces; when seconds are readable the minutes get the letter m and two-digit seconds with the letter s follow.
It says 10h59
